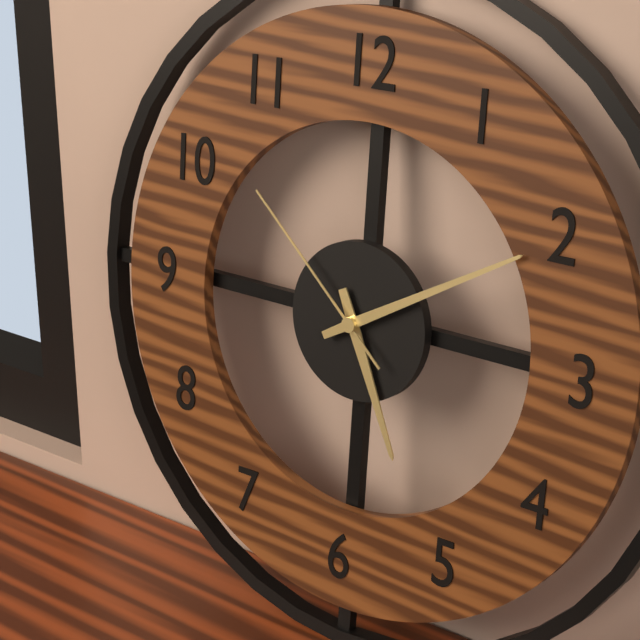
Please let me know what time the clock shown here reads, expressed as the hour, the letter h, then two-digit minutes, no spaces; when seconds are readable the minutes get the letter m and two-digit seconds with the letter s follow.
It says 5h10m52s
